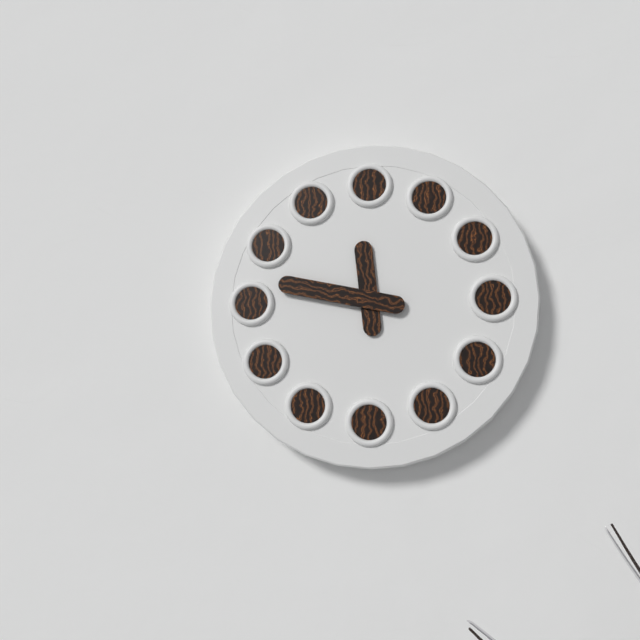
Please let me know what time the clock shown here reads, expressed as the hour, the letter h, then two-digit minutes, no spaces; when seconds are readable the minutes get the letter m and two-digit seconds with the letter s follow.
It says 11h47
